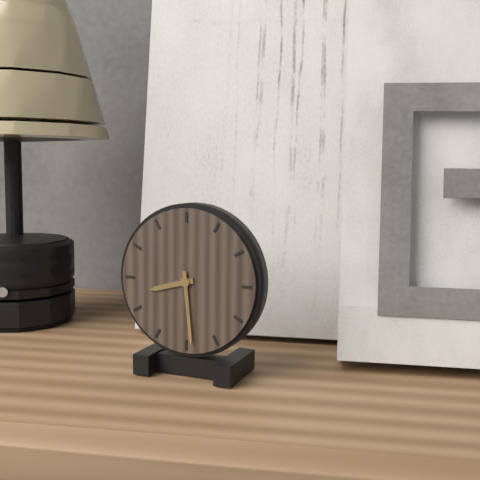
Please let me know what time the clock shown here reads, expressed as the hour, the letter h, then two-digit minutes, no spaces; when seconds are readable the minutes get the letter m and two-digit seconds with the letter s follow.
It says 8h29
